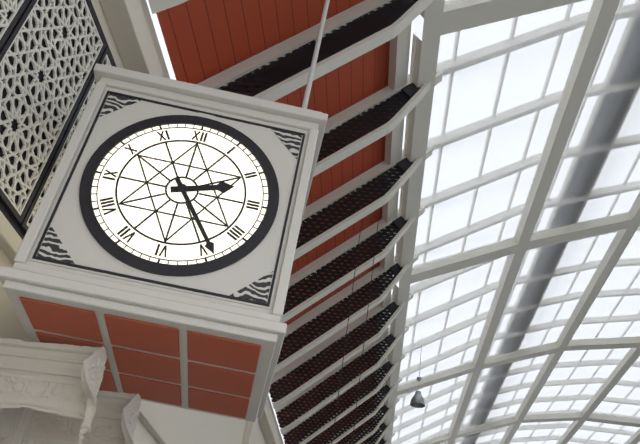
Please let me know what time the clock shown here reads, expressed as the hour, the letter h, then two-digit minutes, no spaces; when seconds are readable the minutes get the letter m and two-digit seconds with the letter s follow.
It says 2h24
